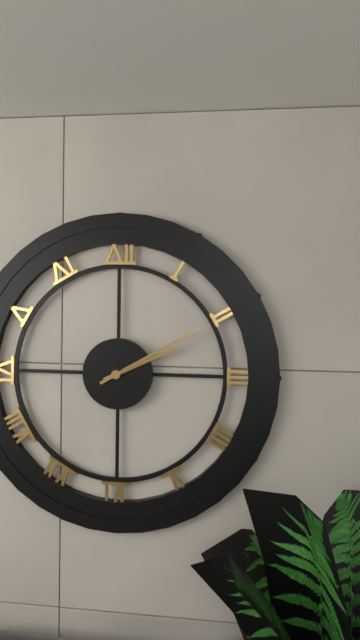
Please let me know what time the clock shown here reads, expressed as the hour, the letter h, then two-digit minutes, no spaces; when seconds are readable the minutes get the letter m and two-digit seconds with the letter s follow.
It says 2h10
